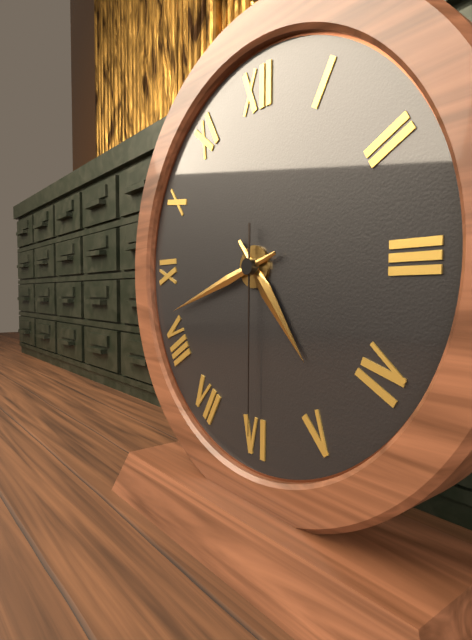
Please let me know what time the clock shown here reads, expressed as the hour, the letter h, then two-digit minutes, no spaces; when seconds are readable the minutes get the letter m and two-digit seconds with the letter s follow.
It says 4h42m30s
